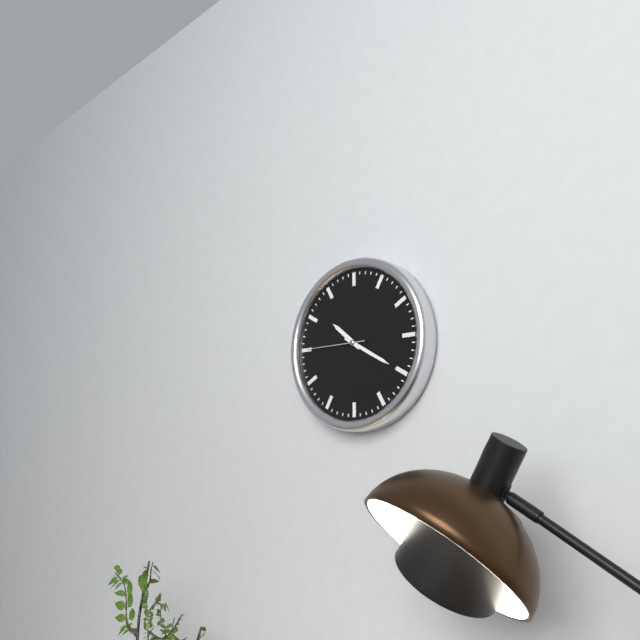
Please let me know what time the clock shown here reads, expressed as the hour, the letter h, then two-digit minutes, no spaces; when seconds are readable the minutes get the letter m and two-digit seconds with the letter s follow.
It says 10h20m45s
